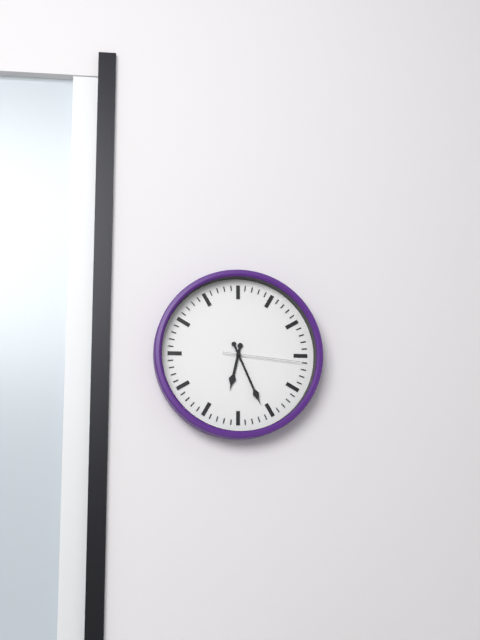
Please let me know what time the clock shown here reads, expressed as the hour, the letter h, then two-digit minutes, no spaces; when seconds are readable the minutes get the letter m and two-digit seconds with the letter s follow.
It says 6h26m16s
